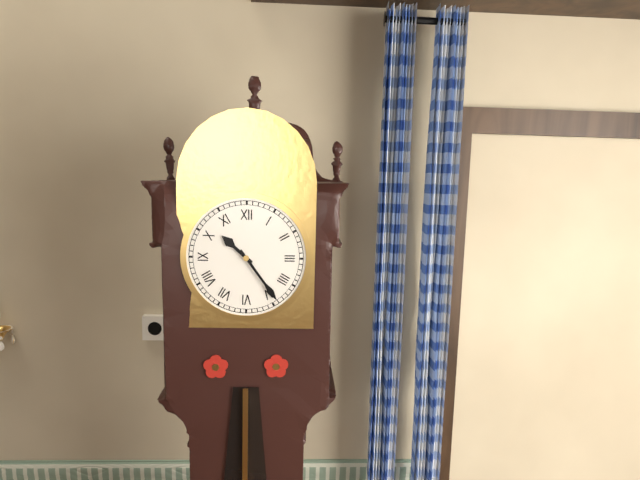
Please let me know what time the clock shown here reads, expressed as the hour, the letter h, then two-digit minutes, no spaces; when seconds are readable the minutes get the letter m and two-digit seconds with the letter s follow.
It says 10h24
